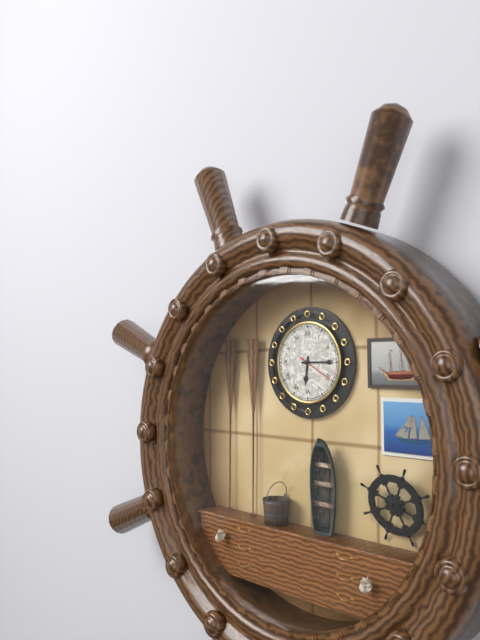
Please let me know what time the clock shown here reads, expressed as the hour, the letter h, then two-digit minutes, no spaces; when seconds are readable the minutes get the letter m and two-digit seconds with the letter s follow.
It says 6h15
